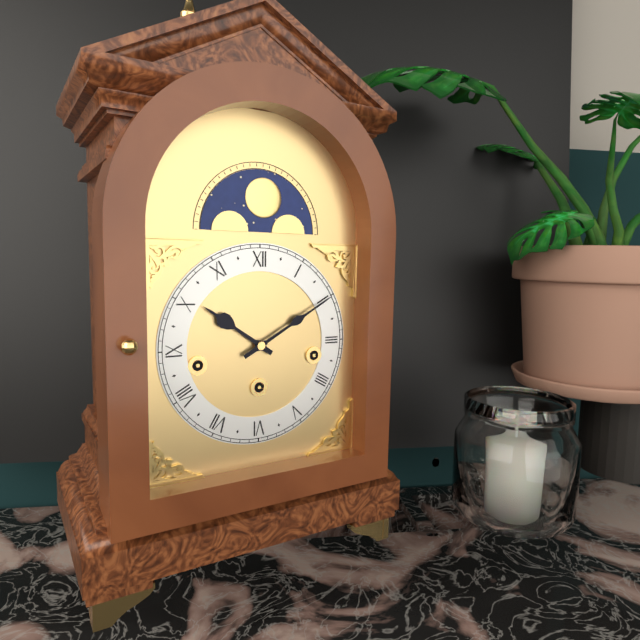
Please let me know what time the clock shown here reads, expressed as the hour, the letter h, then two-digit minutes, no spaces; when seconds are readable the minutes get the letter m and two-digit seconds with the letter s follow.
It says 10h10
